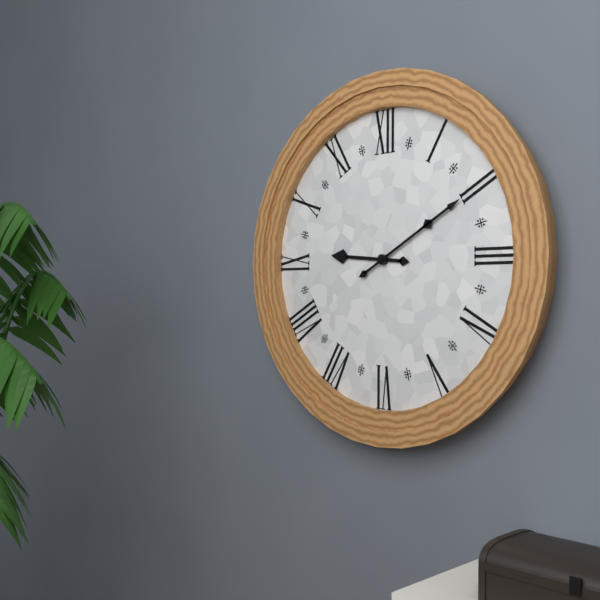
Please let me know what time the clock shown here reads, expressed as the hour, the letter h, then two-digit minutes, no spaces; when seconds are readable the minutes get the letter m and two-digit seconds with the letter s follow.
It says 9h10
